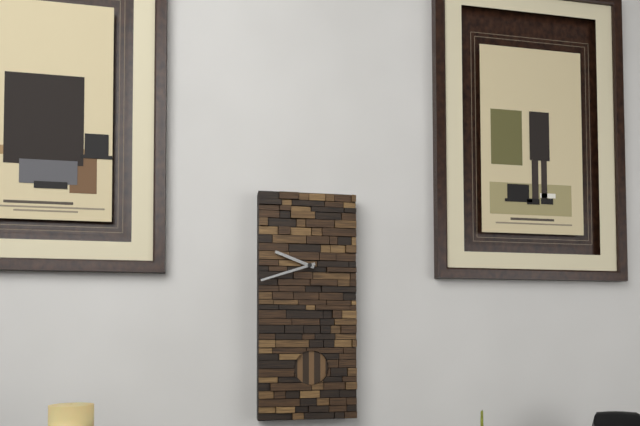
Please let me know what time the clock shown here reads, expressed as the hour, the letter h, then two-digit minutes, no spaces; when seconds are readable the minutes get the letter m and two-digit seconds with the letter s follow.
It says 9h42
